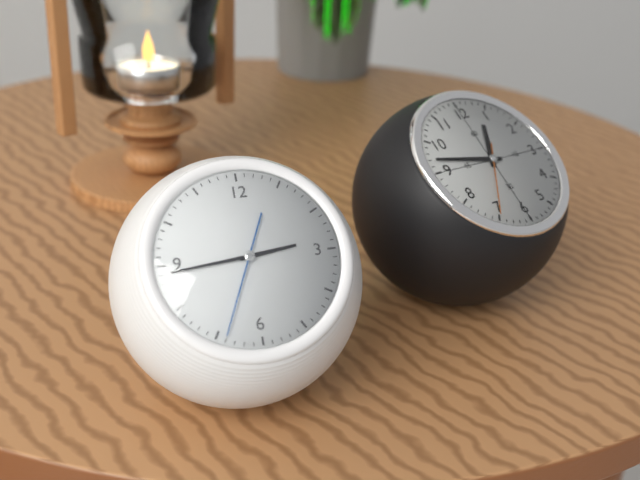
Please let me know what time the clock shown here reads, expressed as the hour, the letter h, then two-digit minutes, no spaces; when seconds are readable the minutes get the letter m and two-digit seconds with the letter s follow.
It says 2h44m34s
